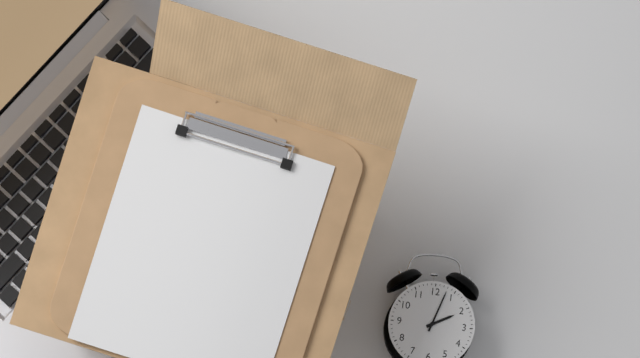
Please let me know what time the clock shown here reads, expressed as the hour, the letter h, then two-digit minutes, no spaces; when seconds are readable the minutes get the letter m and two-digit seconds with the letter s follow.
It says 2h03
